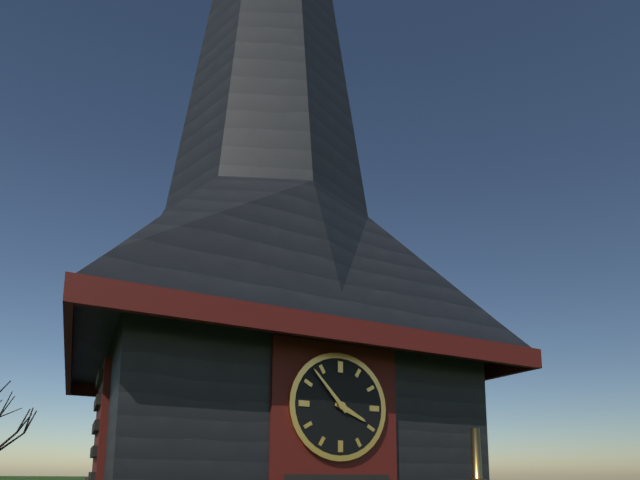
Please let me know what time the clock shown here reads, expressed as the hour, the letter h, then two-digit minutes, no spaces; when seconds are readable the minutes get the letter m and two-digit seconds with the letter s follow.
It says 3h53
